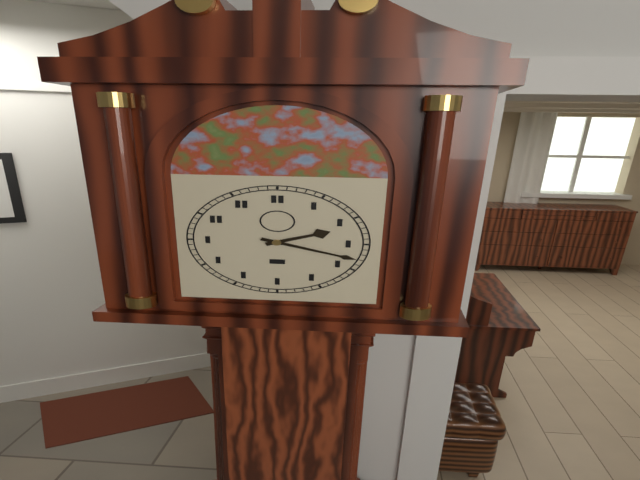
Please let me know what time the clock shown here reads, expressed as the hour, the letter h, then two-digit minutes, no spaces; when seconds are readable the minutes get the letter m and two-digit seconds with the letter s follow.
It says 2h18
